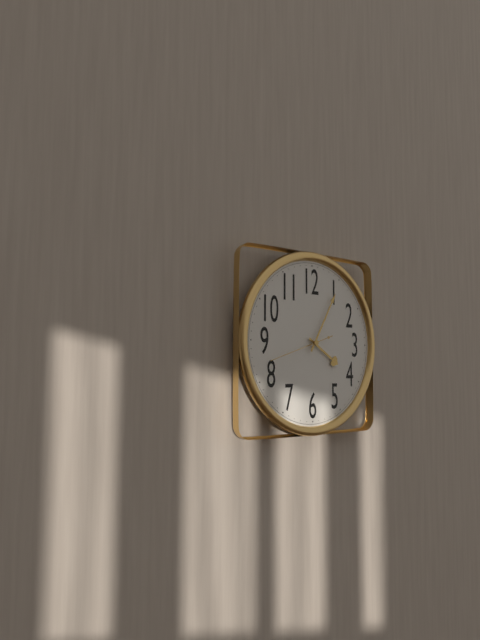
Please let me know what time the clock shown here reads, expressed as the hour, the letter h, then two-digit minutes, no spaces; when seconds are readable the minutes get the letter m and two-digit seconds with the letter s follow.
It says 4h05m42s
